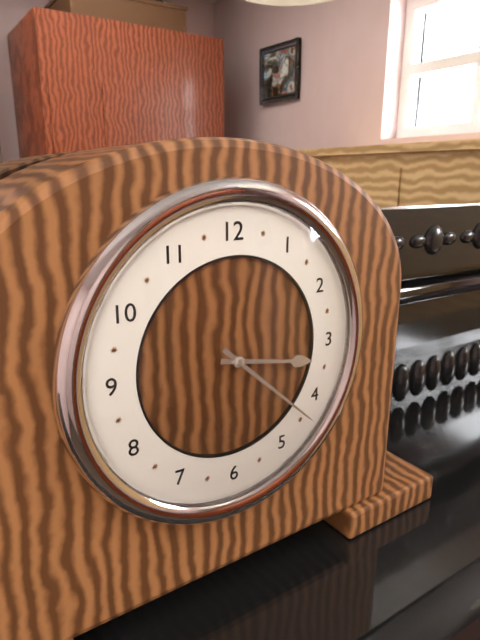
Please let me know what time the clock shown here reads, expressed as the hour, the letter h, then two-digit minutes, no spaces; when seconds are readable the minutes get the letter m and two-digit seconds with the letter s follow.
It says 3h22
